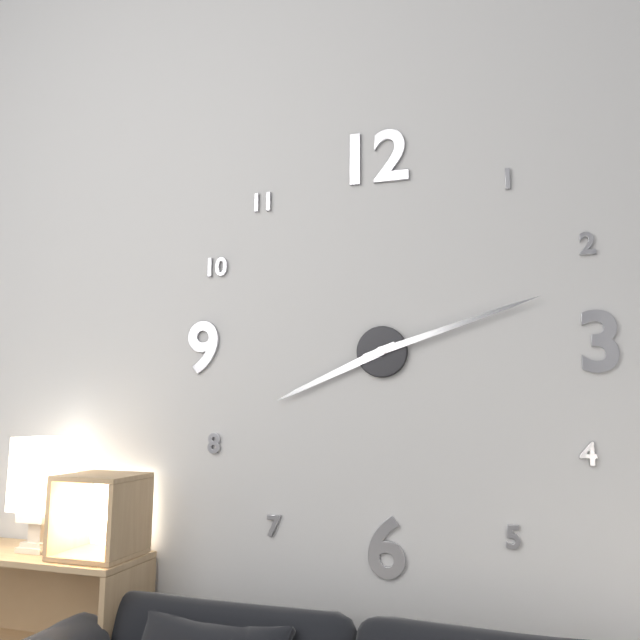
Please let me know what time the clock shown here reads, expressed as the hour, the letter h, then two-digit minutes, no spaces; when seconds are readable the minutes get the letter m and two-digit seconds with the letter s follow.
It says 8h12
